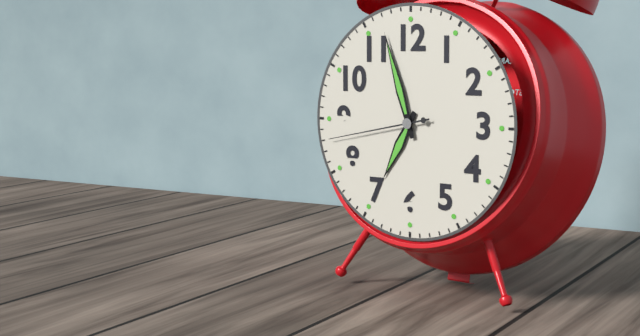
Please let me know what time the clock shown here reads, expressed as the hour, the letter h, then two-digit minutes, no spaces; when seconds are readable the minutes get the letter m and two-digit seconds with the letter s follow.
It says 6h57m43s
